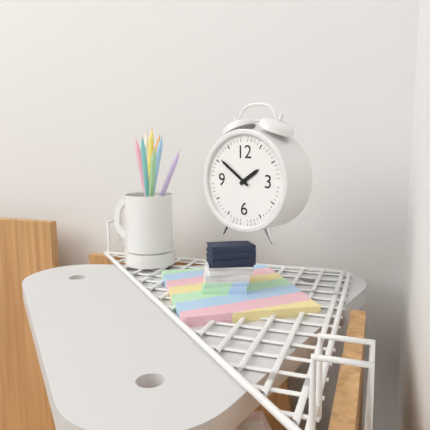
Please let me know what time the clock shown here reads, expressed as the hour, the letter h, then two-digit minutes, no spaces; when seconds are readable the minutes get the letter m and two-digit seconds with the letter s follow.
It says 1h51
